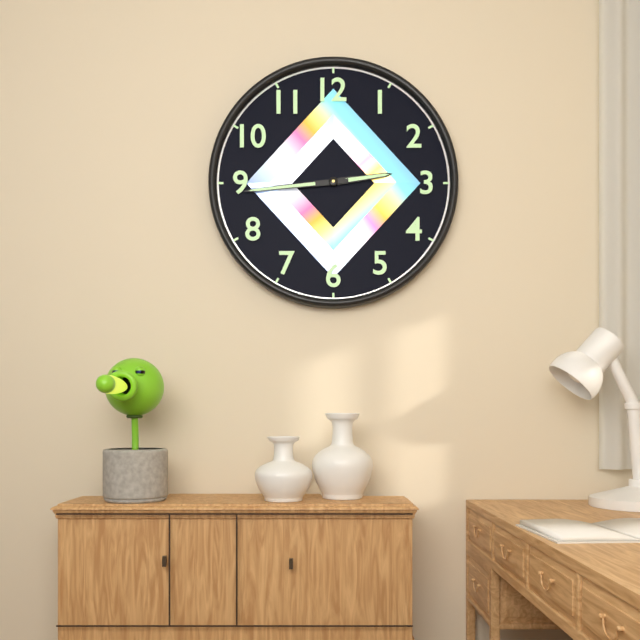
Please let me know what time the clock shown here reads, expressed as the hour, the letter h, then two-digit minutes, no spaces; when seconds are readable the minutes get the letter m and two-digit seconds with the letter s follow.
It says 2h44
